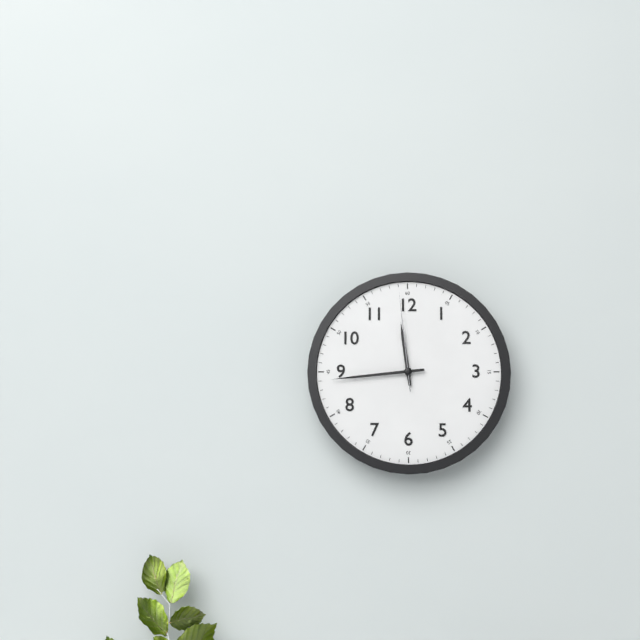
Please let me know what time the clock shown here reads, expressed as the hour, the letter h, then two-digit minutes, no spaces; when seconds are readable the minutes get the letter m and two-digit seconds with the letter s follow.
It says 11h44m59s
